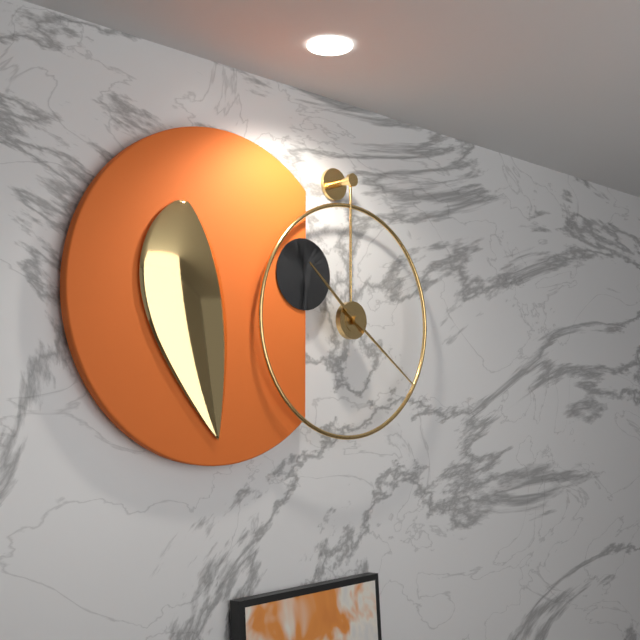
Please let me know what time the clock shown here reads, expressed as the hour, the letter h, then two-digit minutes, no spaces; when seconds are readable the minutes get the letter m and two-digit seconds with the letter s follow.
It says 10h21
